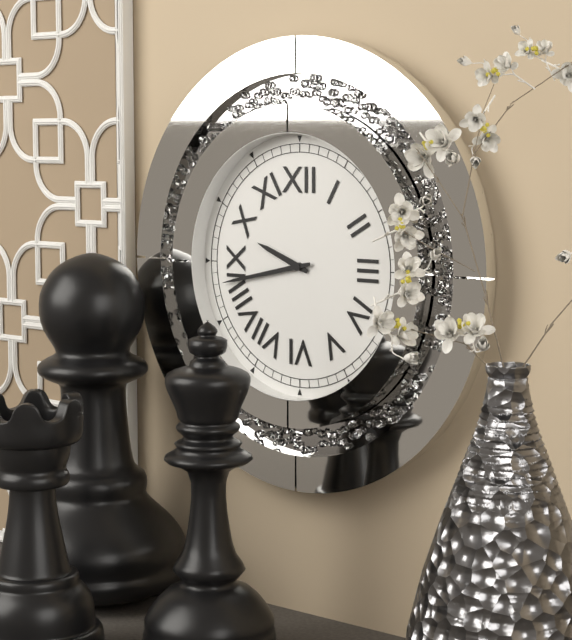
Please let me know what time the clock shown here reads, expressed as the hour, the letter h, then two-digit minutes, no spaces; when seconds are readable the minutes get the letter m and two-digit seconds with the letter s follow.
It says 9h43
